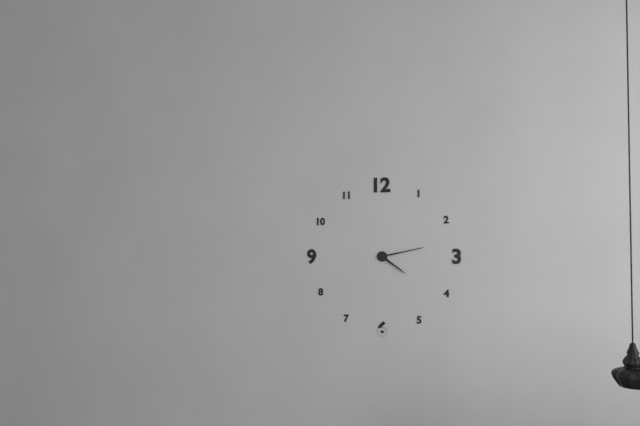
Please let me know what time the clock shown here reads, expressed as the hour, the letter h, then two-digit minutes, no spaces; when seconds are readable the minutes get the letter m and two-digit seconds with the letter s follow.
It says 4h13
